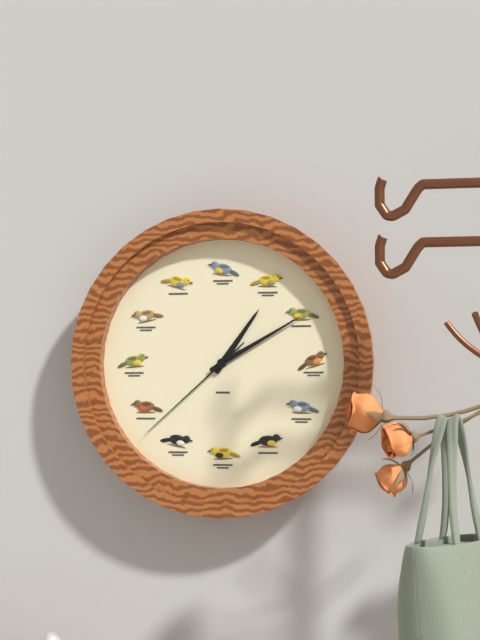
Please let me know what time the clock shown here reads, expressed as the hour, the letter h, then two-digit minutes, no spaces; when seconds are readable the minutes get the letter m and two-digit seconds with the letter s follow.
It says 1h10m38s
